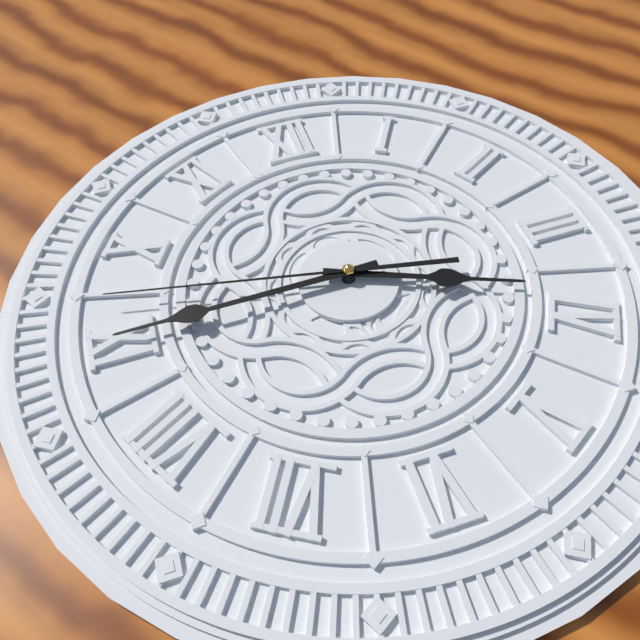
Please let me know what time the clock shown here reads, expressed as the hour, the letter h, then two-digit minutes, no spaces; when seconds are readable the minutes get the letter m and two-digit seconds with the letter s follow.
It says 3h45m47s
